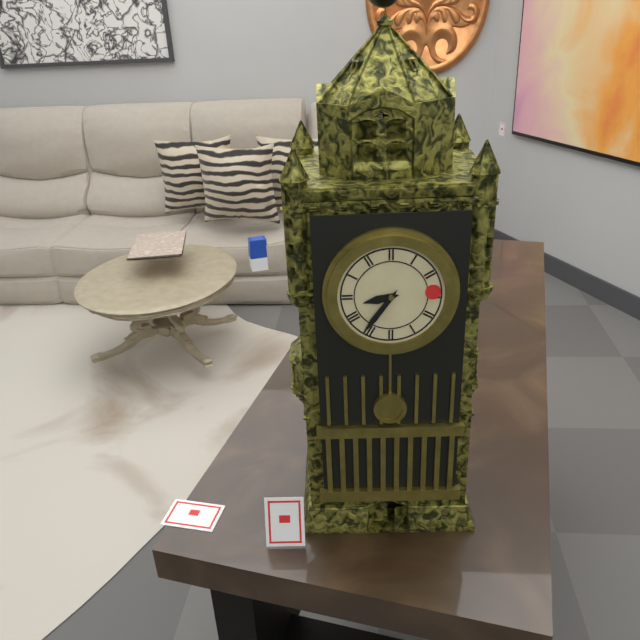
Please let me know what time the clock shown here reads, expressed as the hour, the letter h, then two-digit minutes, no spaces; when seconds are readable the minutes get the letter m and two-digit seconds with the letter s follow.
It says 8h36
